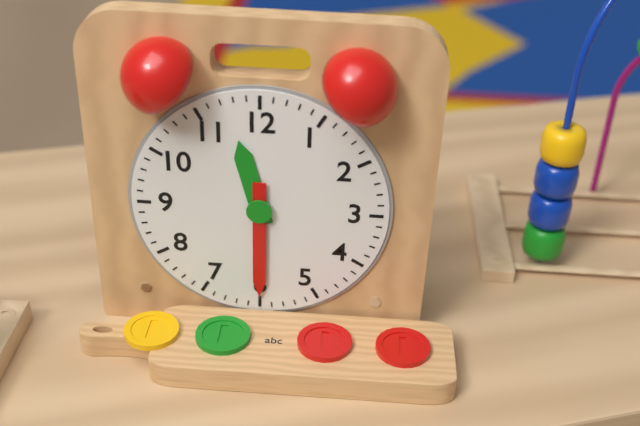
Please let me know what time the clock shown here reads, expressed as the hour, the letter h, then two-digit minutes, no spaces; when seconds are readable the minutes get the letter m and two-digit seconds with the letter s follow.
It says 11h30
